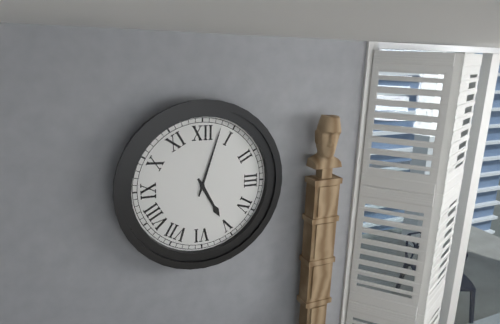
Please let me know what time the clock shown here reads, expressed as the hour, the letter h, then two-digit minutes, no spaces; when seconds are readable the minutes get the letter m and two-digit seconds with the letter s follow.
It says 5h03
